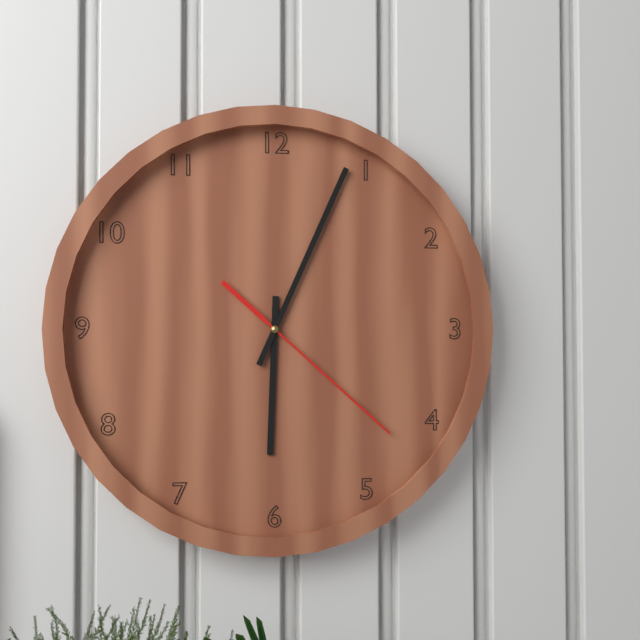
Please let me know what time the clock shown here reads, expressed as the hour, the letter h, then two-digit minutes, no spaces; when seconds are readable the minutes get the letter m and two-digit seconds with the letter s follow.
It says 6h04m22s
